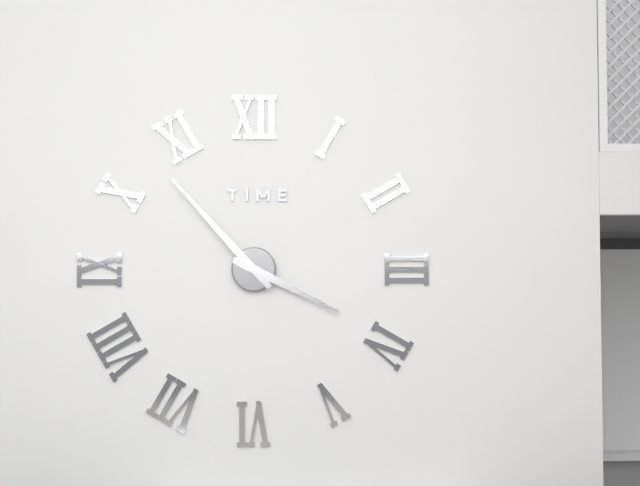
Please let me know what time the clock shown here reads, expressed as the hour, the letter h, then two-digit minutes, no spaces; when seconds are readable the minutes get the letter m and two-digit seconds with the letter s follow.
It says 3h53
